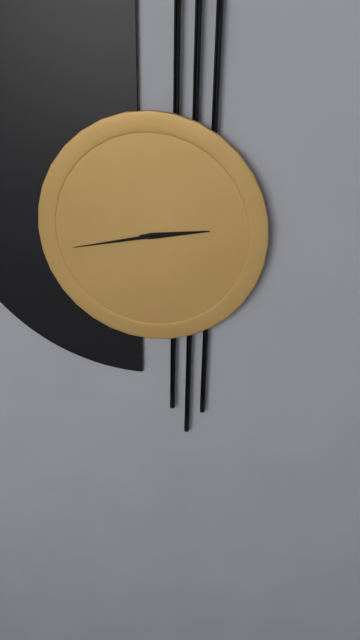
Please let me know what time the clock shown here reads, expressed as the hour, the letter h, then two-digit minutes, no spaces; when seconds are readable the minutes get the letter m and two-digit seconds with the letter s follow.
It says 2h43
